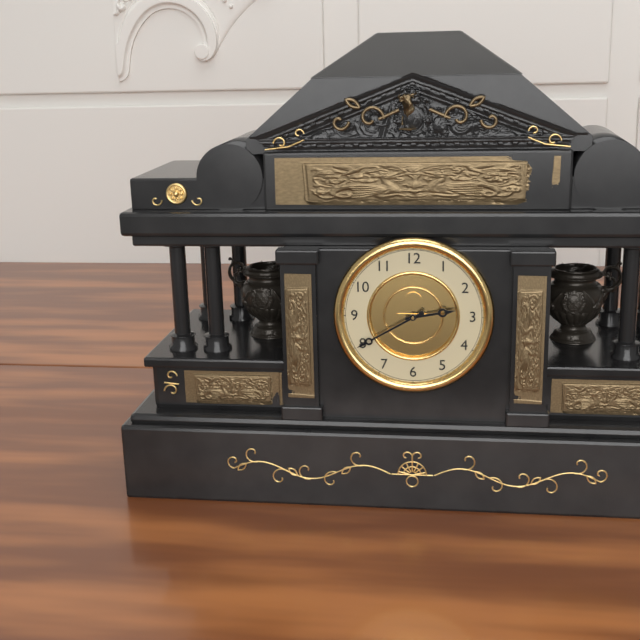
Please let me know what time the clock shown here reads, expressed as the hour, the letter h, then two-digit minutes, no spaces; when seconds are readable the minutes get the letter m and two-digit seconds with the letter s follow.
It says 2h40
